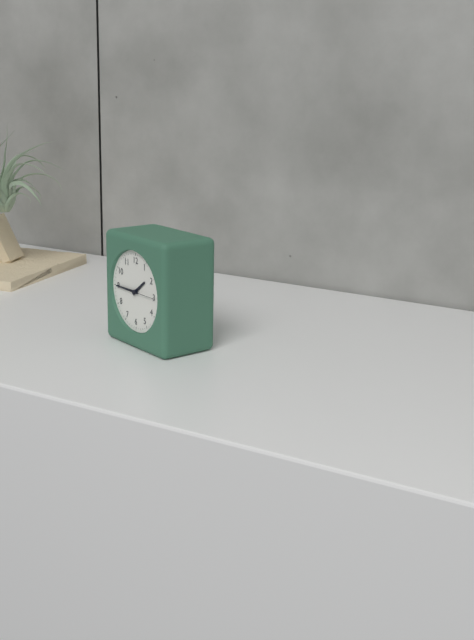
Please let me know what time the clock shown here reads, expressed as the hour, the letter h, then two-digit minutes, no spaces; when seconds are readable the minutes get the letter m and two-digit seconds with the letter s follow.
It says 1h45
